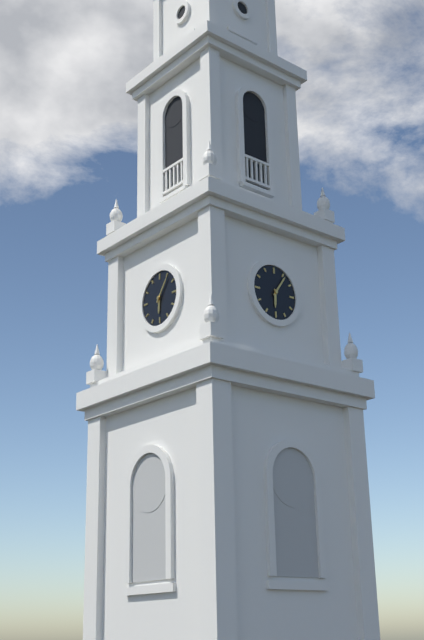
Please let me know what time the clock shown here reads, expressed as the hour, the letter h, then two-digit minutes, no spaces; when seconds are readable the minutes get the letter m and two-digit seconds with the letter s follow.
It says 6h06
